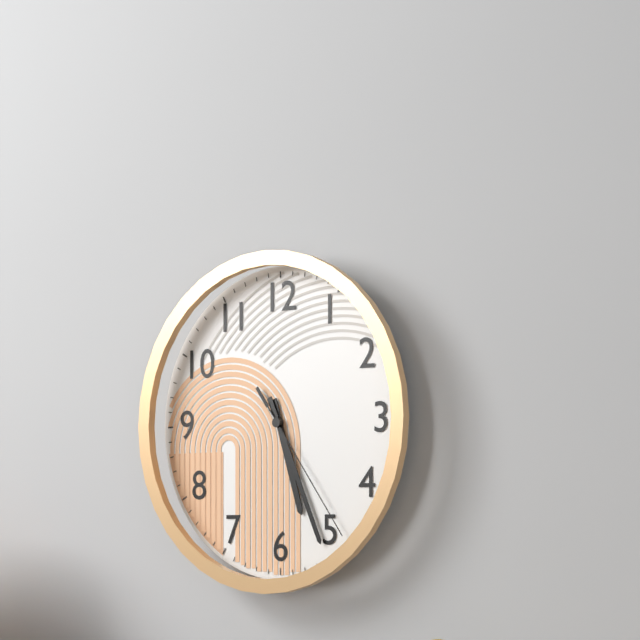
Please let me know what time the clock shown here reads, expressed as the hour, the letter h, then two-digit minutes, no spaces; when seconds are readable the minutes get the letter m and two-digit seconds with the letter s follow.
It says 5h26m24s
